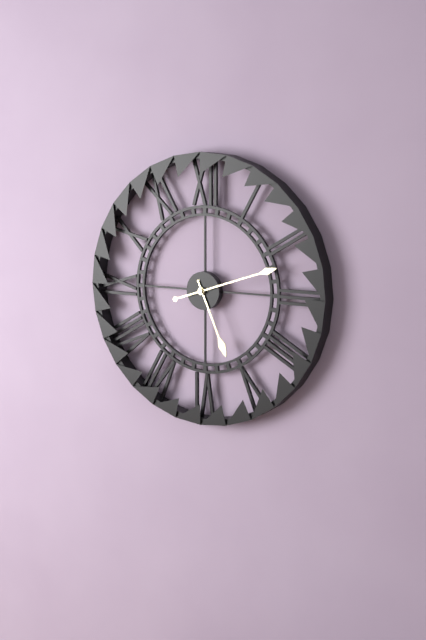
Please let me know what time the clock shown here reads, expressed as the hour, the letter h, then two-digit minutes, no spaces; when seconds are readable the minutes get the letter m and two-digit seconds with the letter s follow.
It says 5h12
